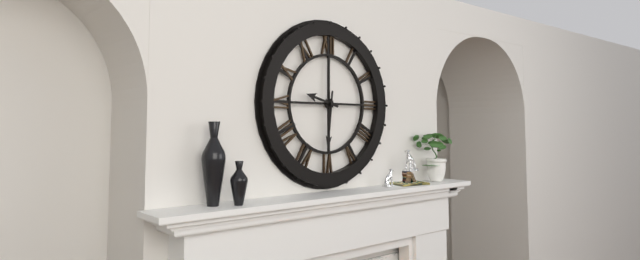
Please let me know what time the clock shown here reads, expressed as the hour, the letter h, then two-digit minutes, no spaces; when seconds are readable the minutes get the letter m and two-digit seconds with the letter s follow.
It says 9h31
